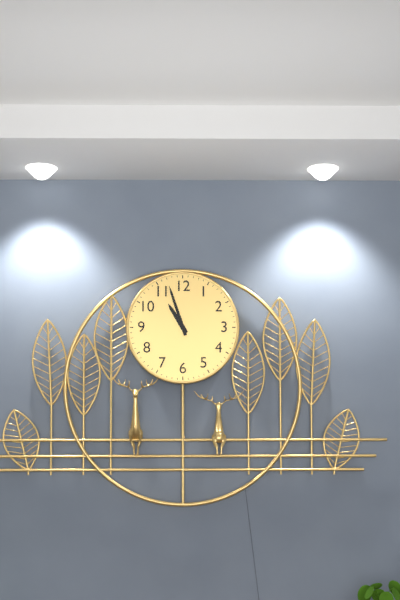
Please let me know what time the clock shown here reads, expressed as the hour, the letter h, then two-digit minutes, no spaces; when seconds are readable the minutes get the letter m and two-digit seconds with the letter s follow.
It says 10h57
